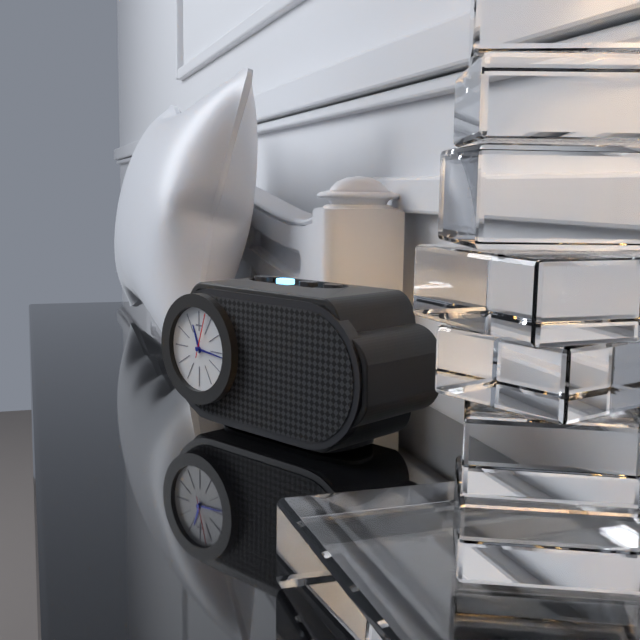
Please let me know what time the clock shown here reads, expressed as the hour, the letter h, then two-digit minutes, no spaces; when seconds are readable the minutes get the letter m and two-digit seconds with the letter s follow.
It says 11h16m03s
